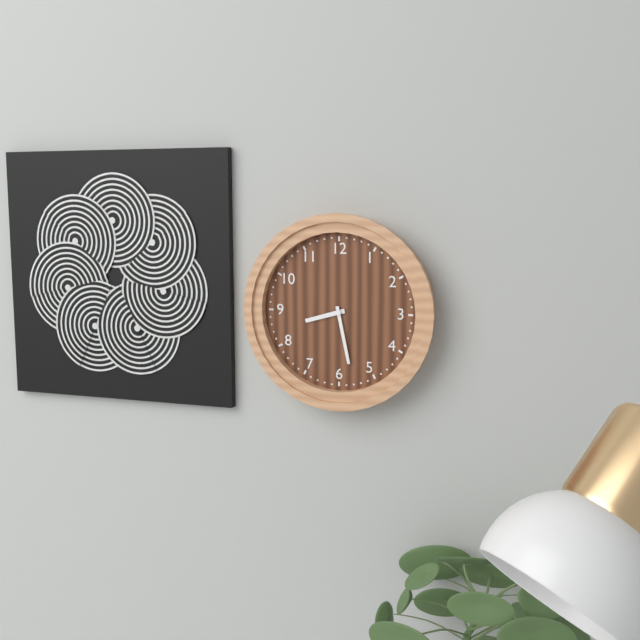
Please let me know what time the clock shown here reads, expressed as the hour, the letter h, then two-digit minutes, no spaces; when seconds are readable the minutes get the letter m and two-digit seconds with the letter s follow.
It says 8h28
